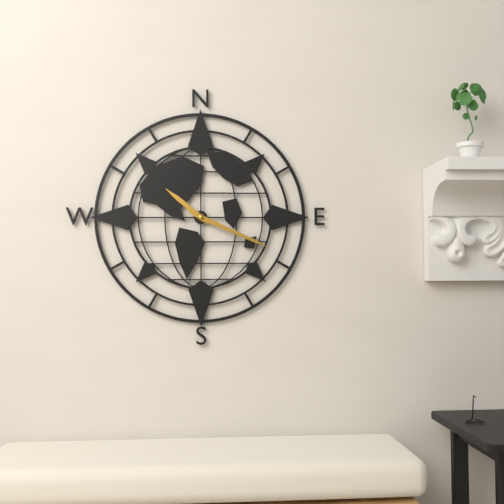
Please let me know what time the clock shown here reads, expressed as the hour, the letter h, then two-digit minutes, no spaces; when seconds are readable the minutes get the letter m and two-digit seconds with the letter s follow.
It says 10h19
